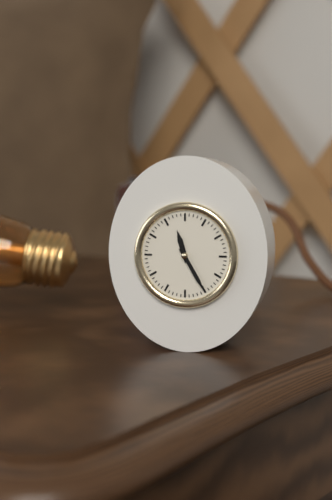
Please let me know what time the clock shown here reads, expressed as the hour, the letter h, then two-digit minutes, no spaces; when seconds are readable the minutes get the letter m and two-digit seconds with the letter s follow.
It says 11h25
